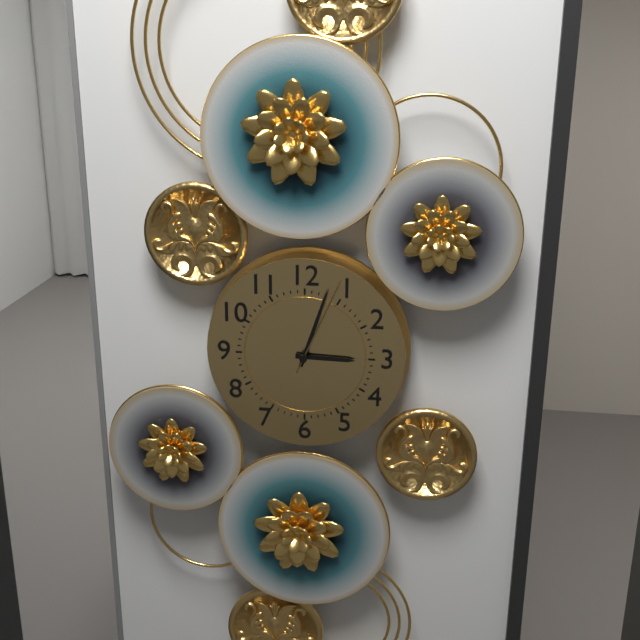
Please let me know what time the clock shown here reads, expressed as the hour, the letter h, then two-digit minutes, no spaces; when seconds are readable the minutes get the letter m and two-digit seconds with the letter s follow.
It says 3h03m04s
